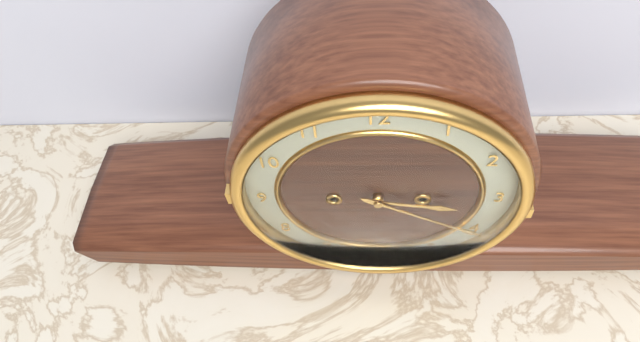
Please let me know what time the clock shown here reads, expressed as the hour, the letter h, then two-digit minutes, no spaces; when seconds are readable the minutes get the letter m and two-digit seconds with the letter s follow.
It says 3h20
